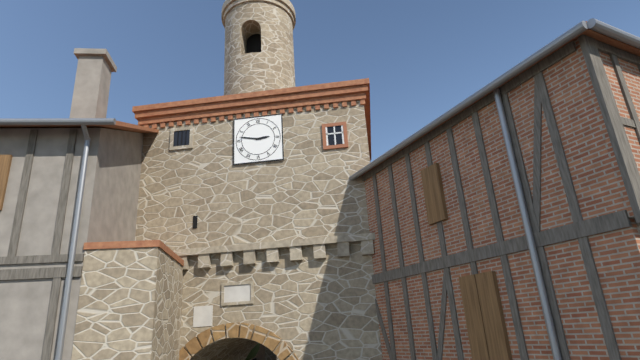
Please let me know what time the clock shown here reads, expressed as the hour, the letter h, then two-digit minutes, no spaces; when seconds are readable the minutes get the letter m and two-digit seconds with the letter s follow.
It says 2h47
